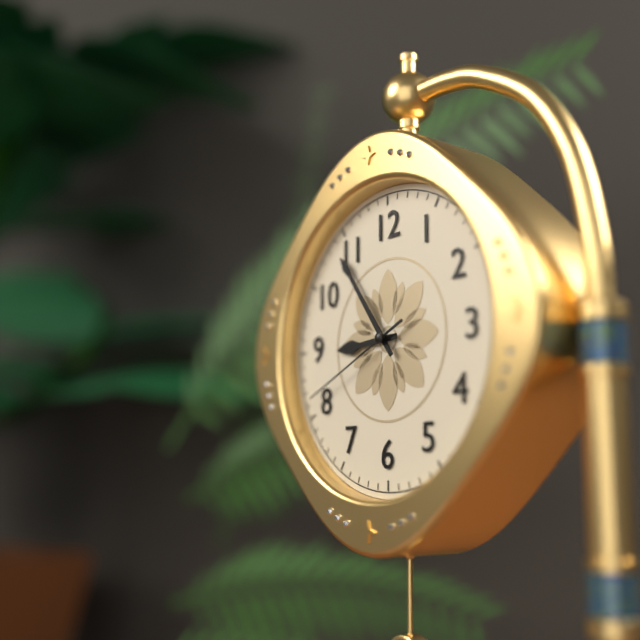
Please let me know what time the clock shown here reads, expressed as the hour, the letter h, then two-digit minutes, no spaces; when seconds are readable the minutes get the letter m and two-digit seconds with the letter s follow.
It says 8h54m41s
